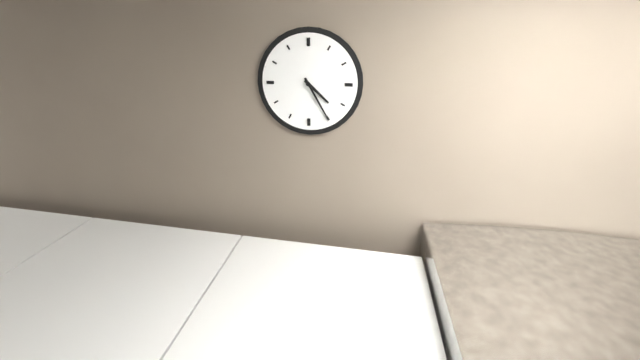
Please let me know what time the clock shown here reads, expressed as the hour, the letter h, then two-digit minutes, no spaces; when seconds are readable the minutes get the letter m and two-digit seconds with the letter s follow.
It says 4h25
